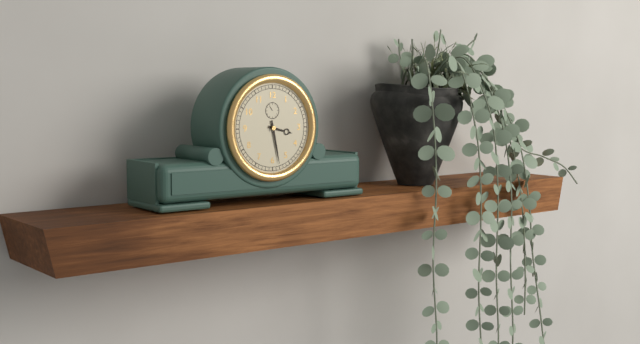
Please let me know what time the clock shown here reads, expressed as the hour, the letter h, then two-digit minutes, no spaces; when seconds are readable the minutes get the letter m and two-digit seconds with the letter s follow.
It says 3h28
